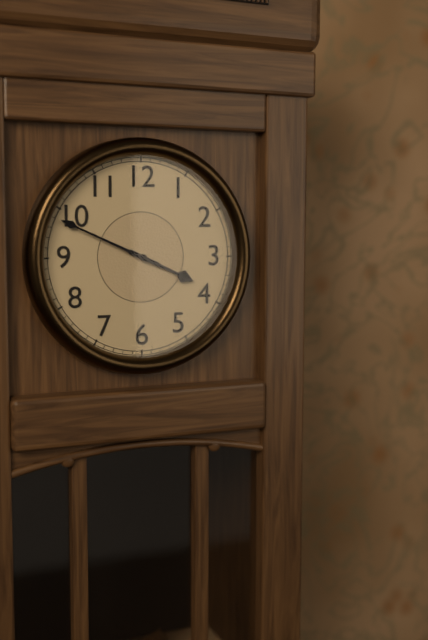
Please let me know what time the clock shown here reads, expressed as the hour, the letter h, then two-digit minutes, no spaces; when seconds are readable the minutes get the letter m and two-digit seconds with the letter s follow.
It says 3h49
